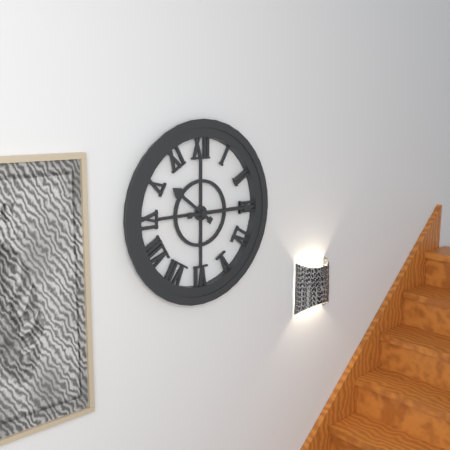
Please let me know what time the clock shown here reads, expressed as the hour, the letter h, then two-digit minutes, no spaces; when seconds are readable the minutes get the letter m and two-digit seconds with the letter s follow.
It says 10h15
